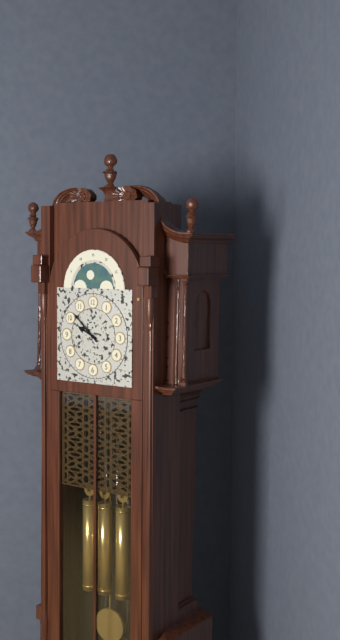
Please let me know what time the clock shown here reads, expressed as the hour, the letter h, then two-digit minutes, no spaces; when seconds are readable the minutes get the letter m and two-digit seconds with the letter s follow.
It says 9h52
